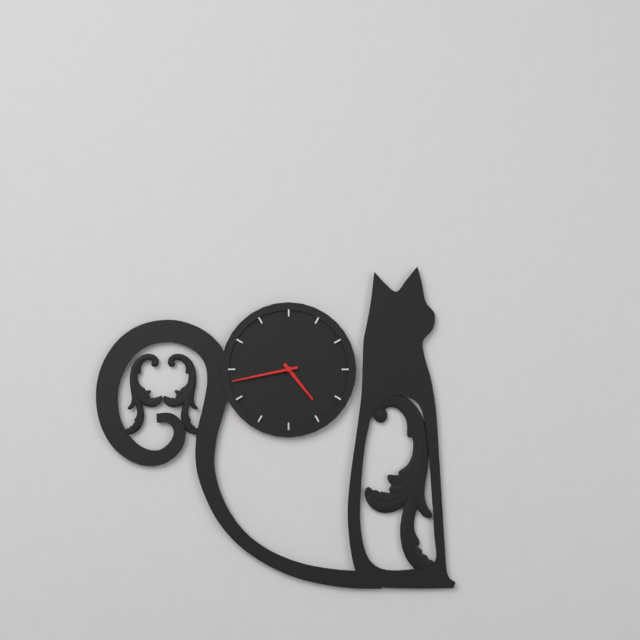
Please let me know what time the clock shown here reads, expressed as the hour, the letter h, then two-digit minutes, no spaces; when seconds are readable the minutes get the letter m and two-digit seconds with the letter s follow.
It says 4h43
